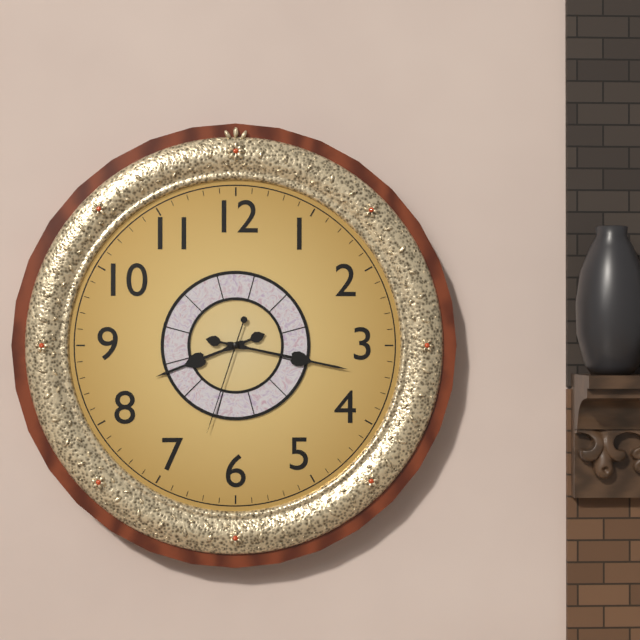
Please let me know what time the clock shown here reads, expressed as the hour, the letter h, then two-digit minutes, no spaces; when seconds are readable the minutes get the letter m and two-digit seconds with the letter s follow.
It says 8h17m33s
